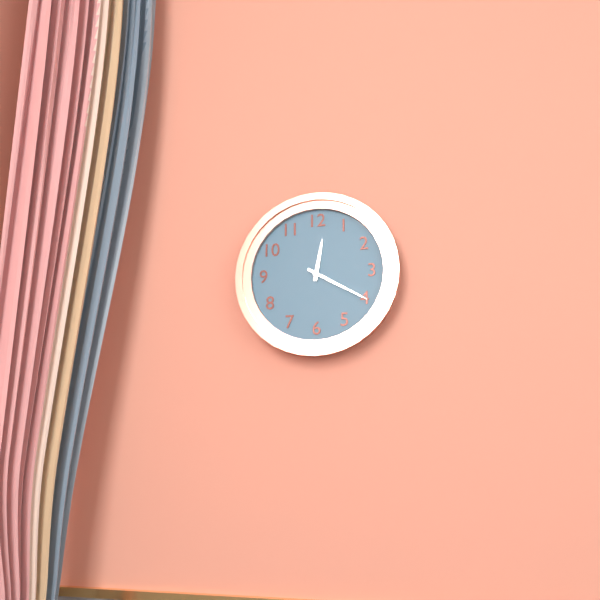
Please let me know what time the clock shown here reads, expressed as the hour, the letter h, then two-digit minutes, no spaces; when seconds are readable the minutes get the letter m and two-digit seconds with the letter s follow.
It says 12h20
